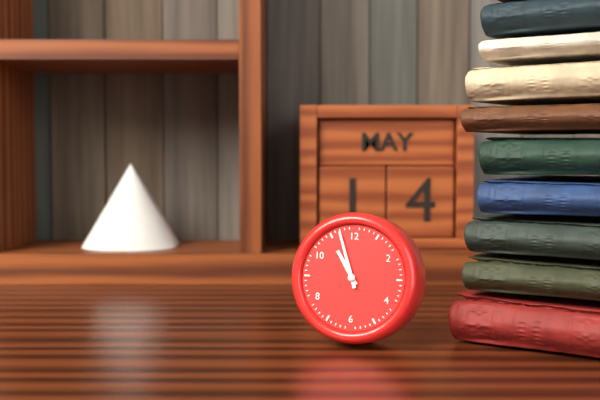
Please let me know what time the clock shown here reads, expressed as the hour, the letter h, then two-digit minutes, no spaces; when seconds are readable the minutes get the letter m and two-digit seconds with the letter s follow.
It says 10h57
